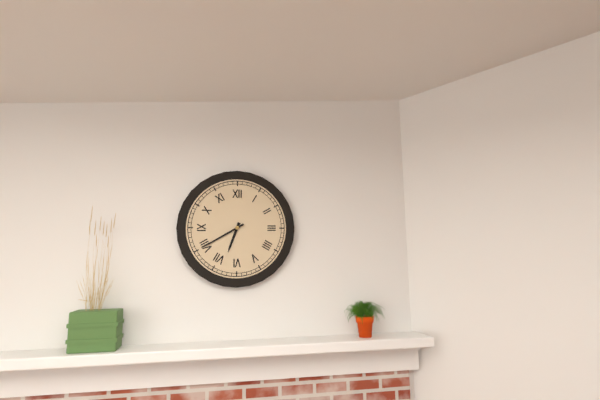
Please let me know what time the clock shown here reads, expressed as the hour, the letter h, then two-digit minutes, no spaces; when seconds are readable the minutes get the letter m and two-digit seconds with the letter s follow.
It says 6h40
